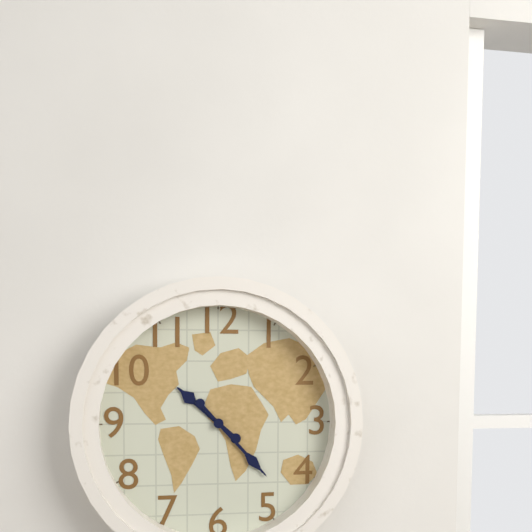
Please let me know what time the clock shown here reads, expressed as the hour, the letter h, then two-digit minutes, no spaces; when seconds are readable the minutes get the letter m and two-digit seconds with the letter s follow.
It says 10h23
